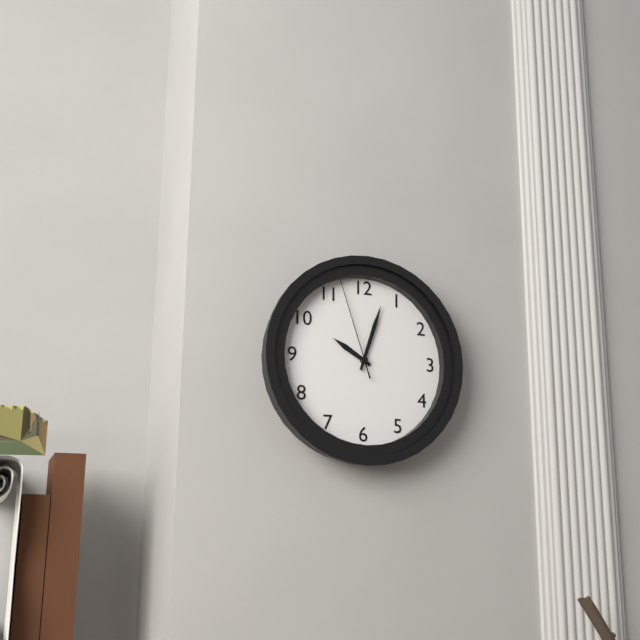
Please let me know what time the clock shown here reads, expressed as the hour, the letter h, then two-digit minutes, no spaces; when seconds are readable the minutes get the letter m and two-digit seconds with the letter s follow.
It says 10h03m57s
